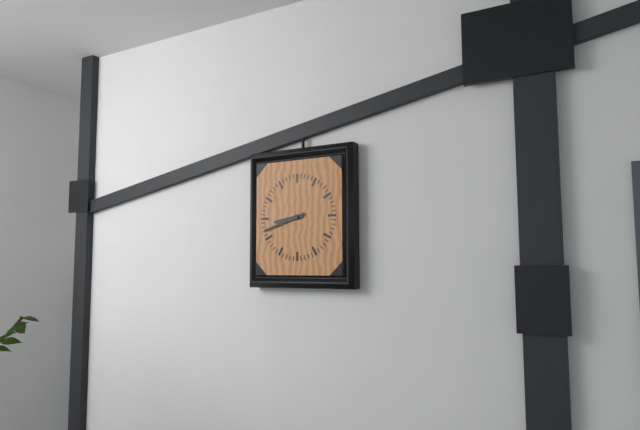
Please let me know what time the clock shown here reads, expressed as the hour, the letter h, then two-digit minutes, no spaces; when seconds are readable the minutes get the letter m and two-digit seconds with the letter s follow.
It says 8h42
